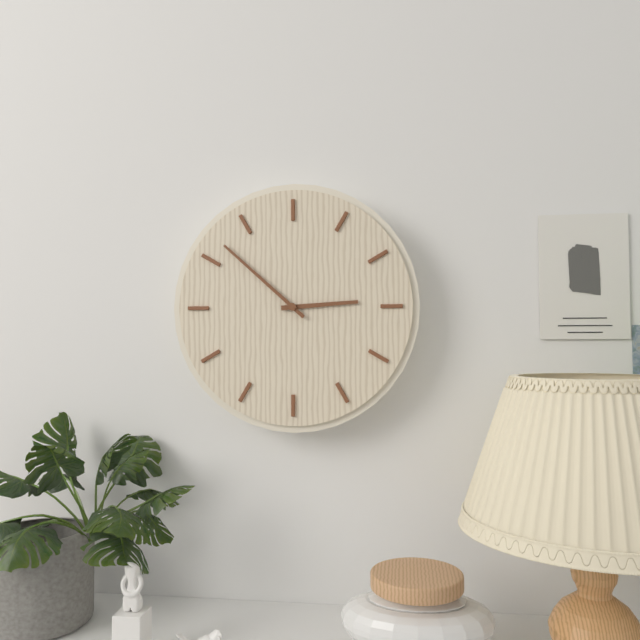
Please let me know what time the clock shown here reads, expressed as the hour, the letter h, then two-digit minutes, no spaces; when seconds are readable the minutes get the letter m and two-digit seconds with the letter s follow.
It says 2h52
